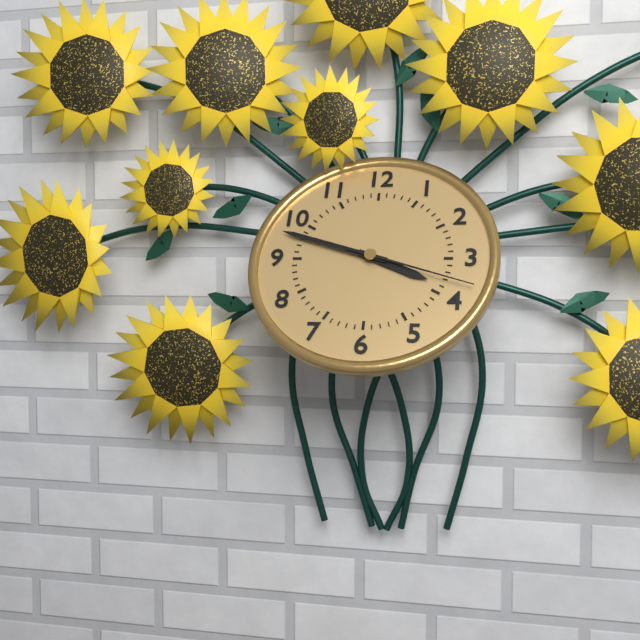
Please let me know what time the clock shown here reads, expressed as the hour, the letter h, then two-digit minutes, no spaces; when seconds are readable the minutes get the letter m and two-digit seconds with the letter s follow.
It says 3h48m18s
